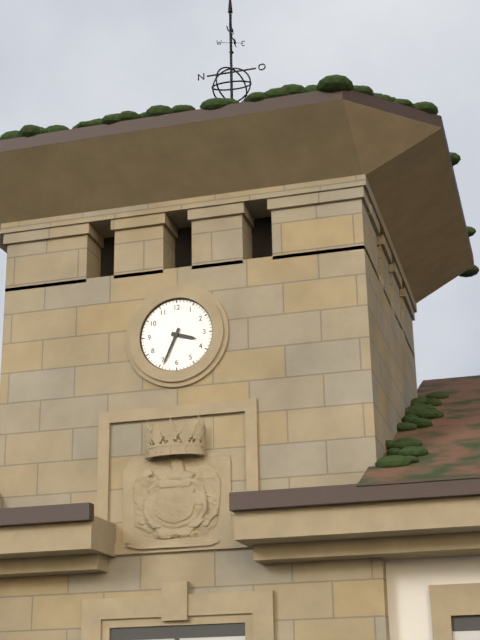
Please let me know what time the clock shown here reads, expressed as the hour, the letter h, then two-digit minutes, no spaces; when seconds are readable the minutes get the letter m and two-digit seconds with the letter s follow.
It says 3h34
